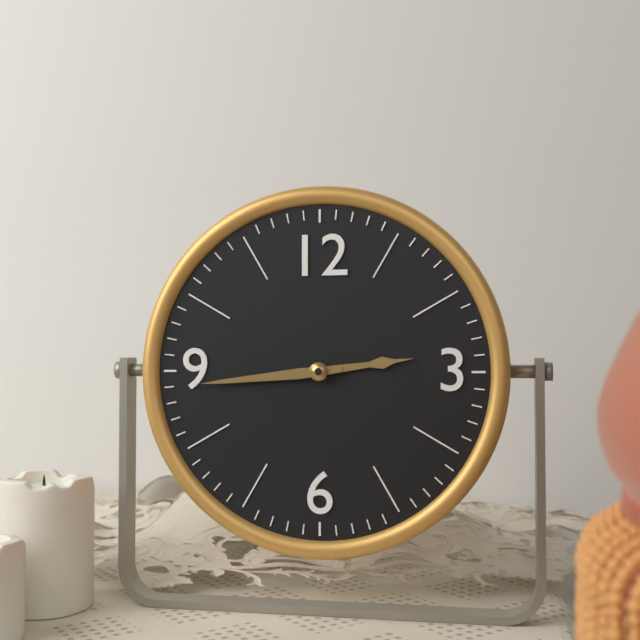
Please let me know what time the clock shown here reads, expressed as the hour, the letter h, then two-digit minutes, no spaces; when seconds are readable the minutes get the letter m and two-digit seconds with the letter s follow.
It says 2h44
